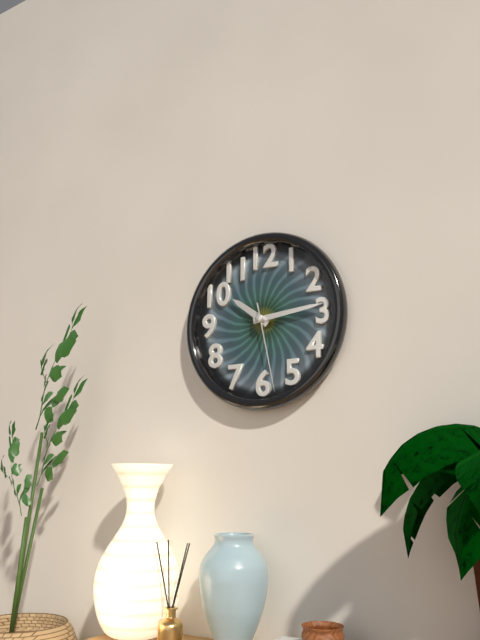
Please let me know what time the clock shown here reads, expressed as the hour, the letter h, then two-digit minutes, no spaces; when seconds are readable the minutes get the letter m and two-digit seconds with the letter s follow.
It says 10h14m28s
